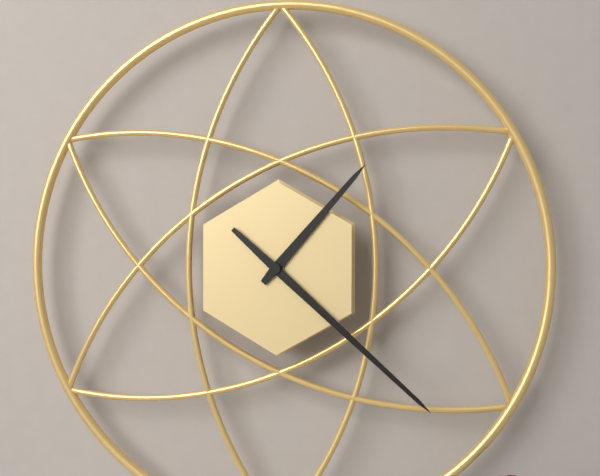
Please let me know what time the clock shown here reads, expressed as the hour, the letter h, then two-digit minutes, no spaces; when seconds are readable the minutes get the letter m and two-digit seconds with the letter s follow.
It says 1h22
